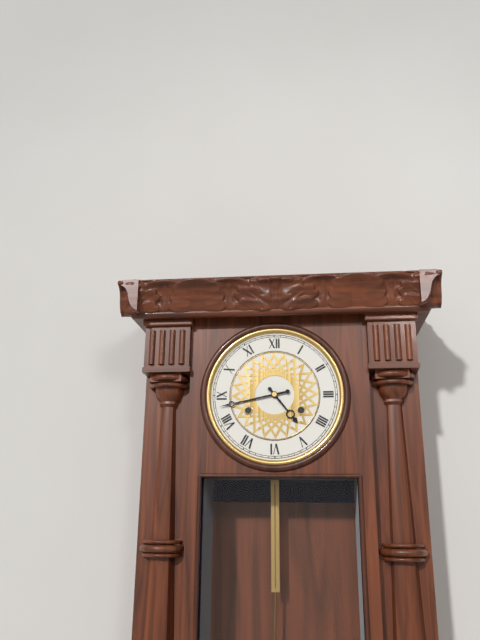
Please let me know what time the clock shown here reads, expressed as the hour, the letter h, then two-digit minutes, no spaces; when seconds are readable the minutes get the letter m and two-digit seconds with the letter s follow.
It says 4h43
